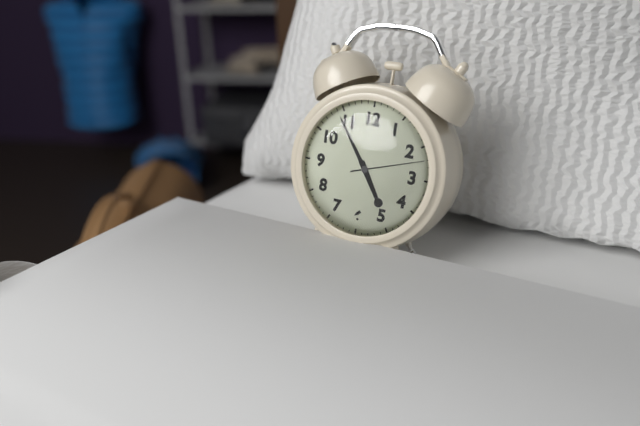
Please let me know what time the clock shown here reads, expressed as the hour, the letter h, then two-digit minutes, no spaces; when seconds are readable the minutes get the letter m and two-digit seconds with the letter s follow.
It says 4h54m12s
